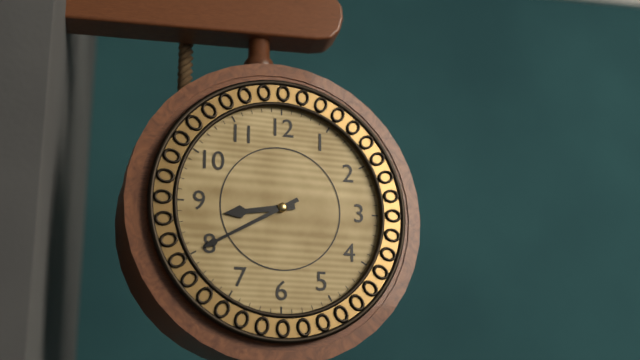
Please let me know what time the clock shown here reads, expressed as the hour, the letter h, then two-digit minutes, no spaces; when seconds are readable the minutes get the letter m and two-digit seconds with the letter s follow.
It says 8h40
